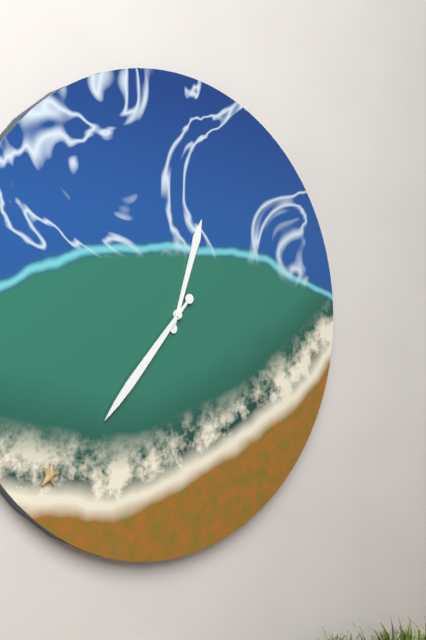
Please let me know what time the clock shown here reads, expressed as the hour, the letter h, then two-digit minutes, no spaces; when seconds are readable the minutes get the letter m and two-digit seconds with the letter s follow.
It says 12h37
